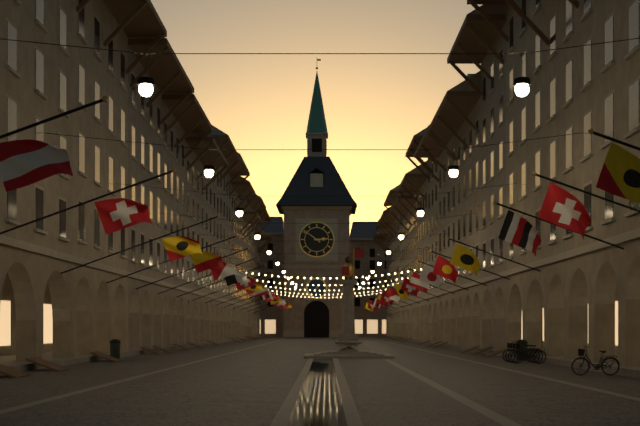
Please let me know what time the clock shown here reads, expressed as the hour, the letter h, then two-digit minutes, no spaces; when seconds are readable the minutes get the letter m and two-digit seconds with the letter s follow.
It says 2h51
